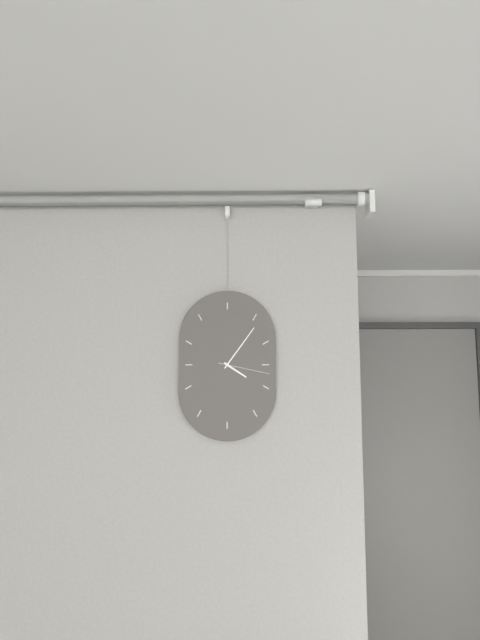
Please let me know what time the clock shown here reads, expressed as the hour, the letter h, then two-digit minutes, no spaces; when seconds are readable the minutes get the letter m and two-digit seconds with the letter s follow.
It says 4h06m17s
